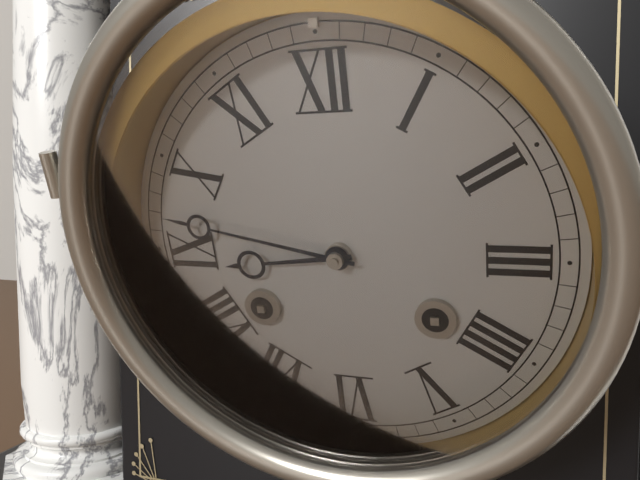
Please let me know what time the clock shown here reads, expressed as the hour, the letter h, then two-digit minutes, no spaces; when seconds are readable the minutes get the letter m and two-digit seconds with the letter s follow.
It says 8h47
